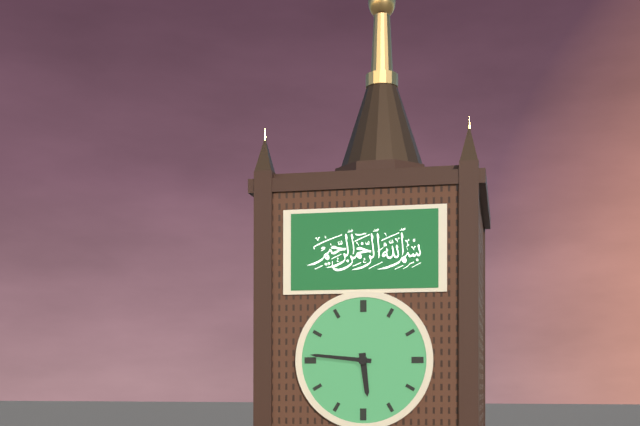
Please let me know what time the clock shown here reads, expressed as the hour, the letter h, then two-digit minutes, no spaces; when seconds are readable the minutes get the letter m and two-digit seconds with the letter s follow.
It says 5h46
